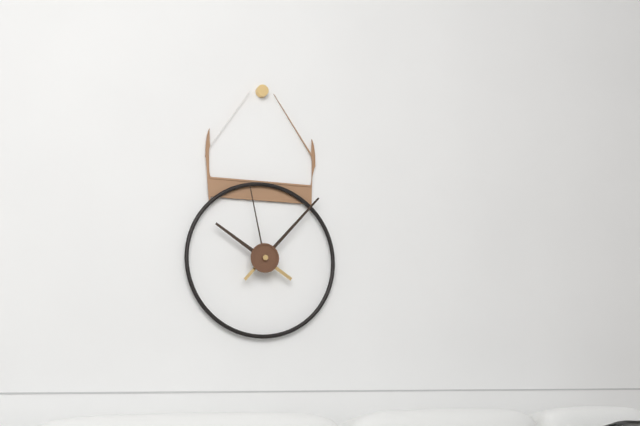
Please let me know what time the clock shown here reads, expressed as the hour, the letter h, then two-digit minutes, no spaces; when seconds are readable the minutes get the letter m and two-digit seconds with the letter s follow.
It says 10h07m58s
